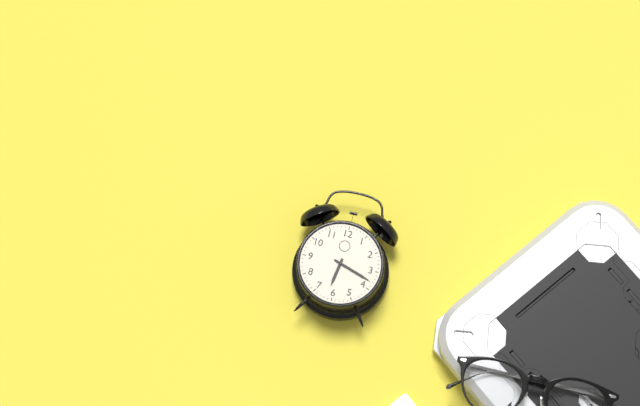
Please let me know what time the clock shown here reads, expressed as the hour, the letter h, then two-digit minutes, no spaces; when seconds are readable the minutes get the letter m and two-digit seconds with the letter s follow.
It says 6h18
